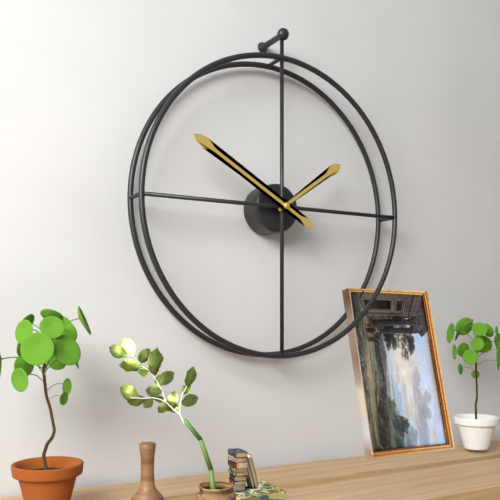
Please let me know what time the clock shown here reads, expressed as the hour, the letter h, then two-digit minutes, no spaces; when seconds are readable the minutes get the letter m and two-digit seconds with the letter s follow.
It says 1h50
